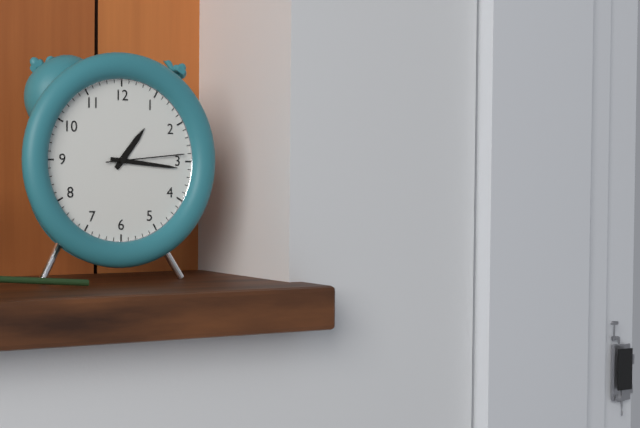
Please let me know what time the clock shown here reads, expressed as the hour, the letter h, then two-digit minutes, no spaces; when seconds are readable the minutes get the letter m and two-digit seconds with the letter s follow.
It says 1h16m14s
